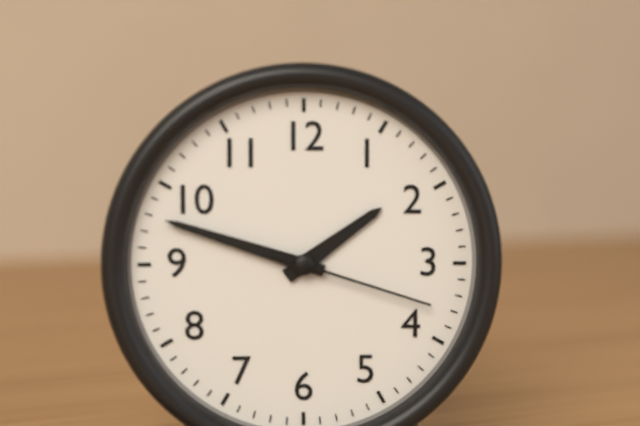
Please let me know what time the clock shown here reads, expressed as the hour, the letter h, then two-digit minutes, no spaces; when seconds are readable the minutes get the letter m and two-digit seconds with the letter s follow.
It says 1h48m18s
